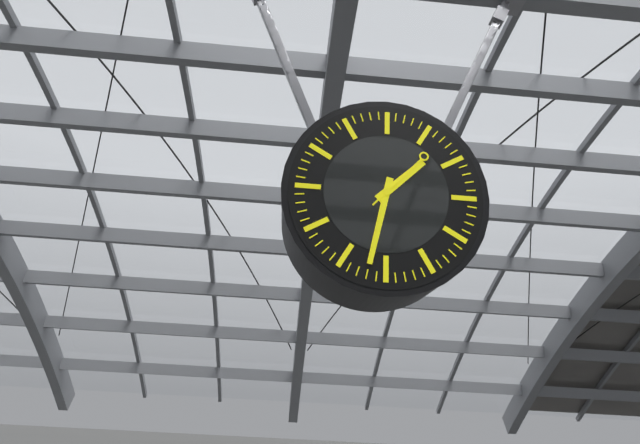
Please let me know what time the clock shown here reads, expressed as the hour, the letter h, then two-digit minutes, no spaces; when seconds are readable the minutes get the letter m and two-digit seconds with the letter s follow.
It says 1h32m07s
